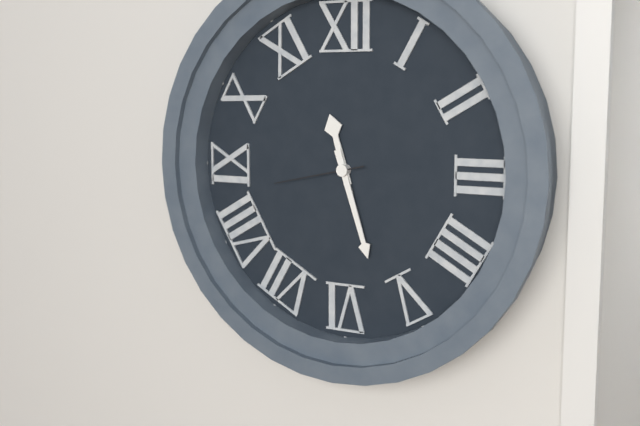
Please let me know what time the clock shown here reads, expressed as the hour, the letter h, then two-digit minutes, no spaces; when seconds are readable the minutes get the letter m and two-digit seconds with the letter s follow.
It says 11h27m43s
